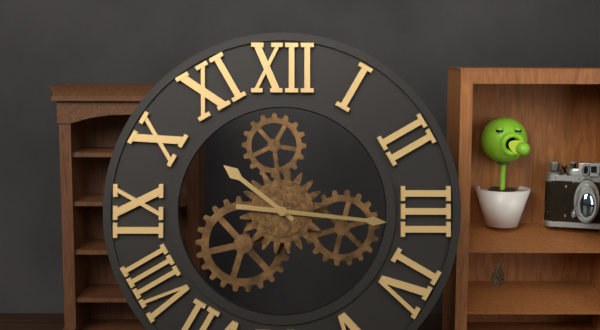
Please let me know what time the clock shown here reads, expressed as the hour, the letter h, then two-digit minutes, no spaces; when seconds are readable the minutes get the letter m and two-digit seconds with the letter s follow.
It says 10h16
